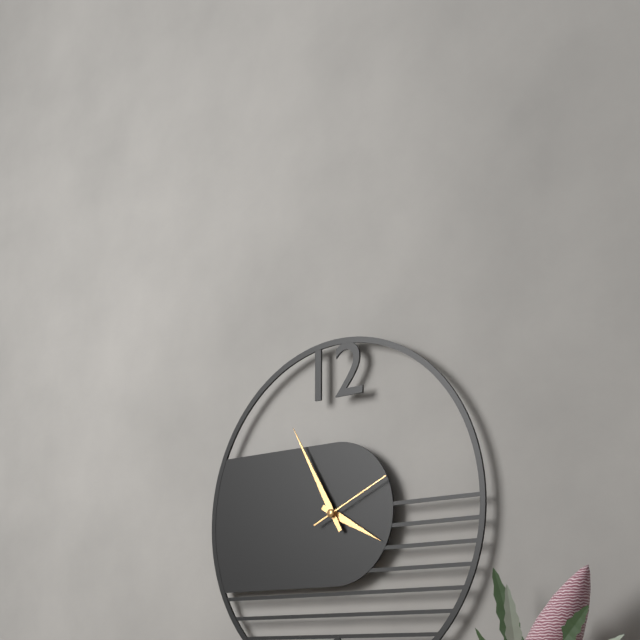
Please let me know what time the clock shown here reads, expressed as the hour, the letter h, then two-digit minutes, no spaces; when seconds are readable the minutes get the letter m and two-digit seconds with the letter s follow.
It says 3h55m11s
